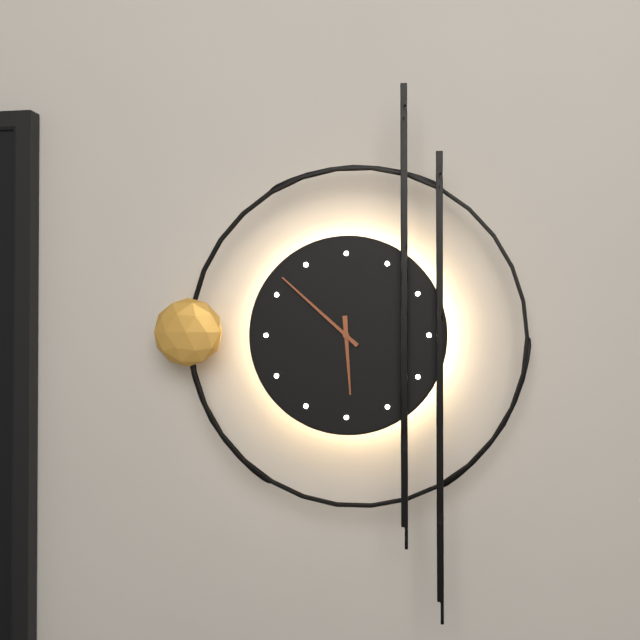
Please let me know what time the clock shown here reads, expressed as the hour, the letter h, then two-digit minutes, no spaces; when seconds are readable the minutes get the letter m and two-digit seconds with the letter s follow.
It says 5h52
